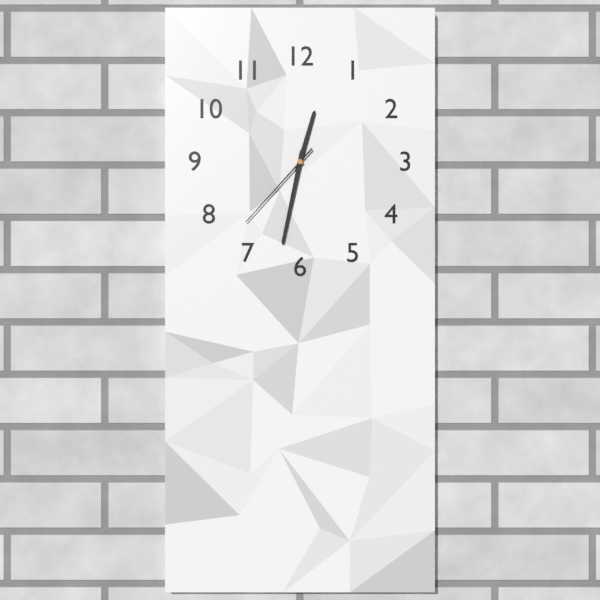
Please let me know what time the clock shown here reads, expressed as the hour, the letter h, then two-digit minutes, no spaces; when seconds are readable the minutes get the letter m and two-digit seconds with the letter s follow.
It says 12h32m37s
